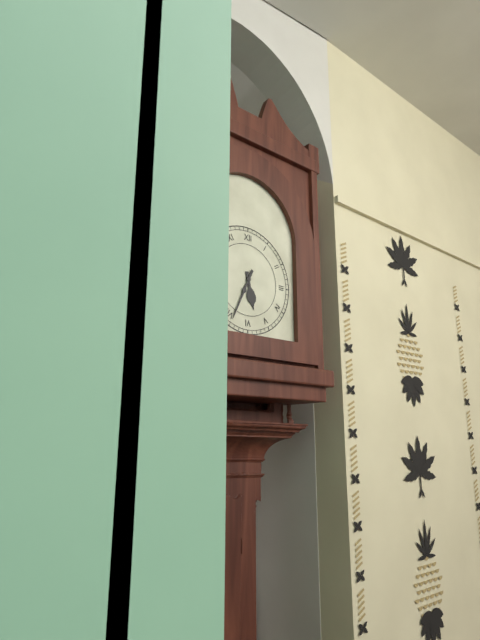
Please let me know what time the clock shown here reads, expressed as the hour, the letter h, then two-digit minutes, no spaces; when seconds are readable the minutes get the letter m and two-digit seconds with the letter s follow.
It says 5h34
